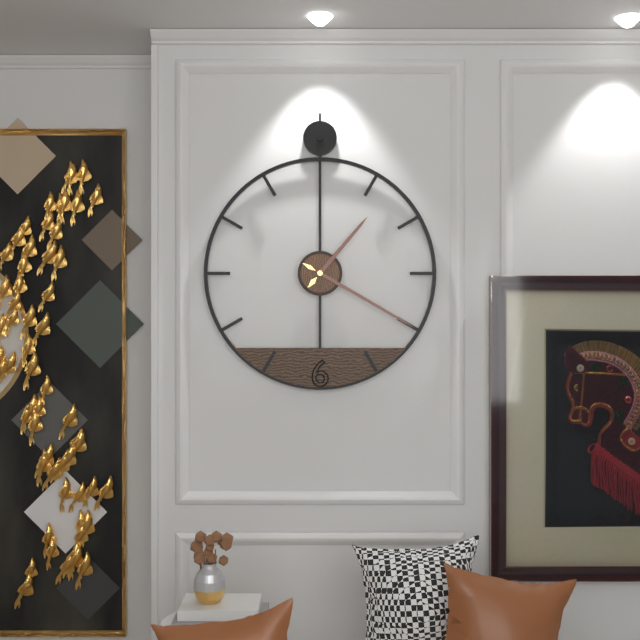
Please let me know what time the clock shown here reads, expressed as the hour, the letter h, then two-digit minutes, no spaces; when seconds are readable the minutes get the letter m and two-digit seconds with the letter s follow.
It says 1h20
